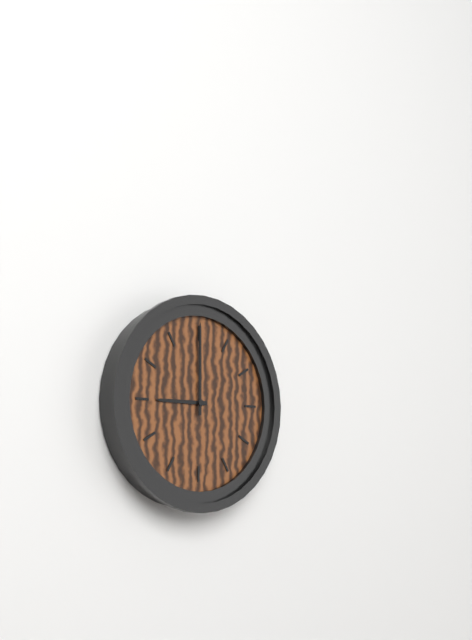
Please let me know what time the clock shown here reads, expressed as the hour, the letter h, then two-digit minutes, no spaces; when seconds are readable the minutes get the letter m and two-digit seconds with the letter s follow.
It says 9h00
